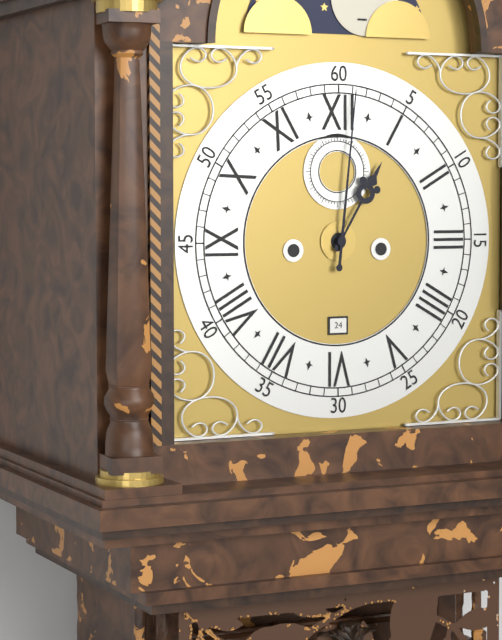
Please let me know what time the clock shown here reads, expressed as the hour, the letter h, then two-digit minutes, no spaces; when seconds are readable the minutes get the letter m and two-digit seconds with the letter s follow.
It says 1h01
